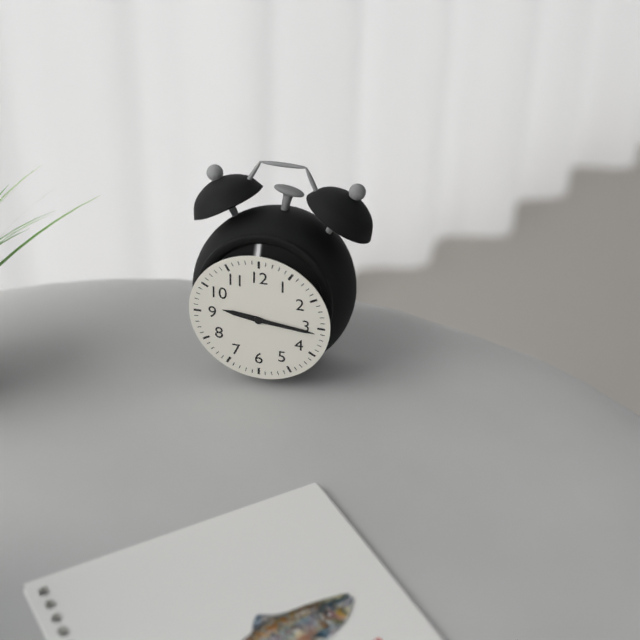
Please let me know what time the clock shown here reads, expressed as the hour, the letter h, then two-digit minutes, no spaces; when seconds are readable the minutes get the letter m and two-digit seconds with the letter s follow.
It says 9h16
